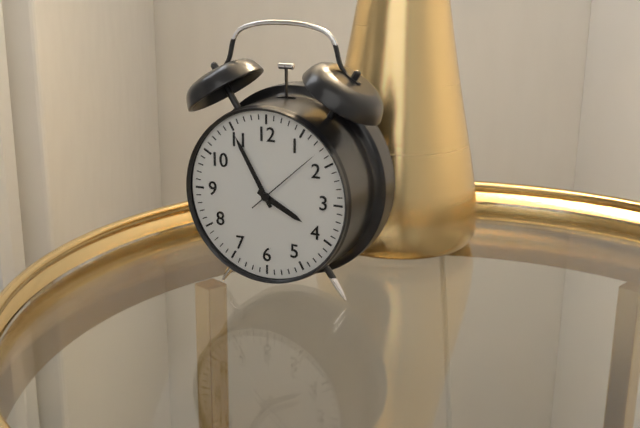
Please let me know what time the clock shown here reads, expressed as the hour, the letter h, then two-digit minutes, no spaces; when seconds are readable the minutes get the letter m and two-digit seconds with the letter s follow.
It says 3h55m08s
